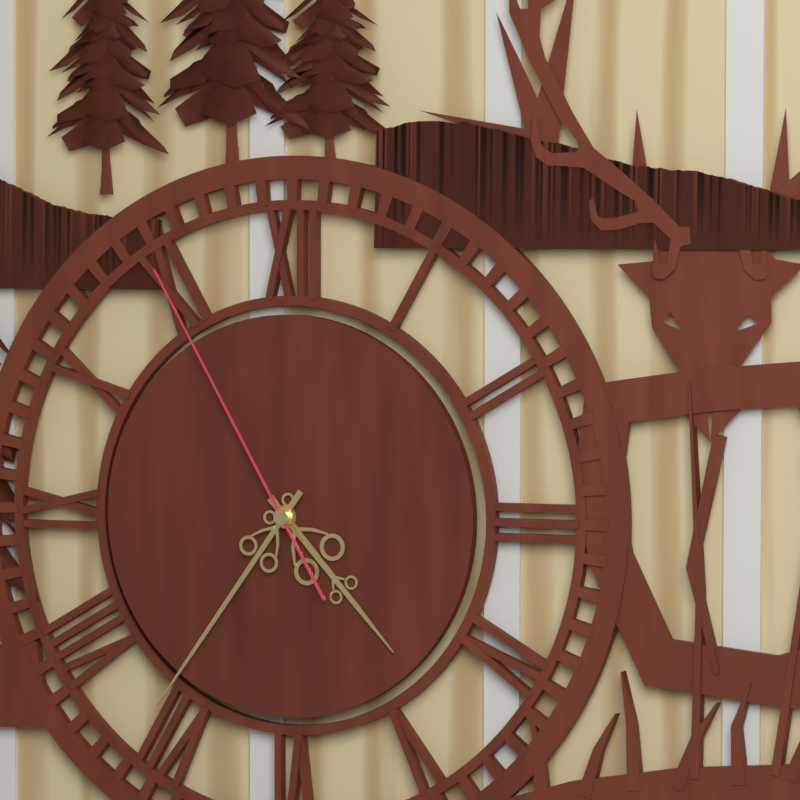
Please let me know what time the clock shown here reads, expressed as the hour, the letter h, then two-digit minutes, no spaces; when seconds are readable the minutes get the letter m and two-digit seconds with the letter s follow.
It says 4h36m55s
